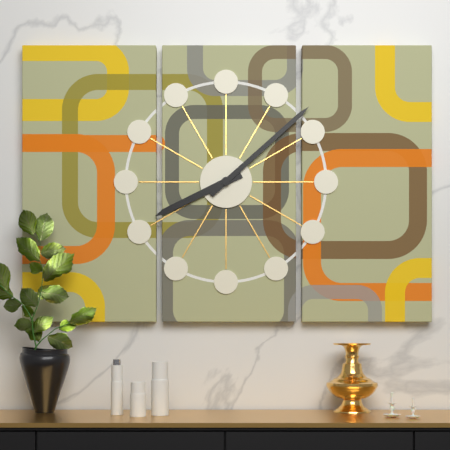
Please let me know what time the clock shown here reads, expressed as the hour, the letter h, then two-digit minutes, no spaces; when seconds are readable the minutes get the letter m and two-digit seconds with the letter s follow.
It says 8h08
